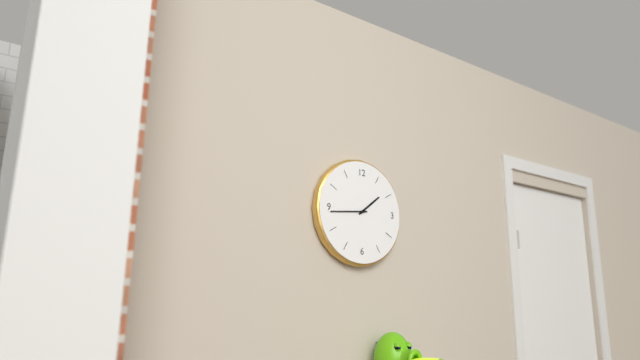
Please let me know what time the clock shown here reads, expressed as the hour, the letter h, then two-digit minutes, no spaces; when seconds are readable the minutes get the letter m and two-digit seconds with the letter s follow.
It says 1h44
